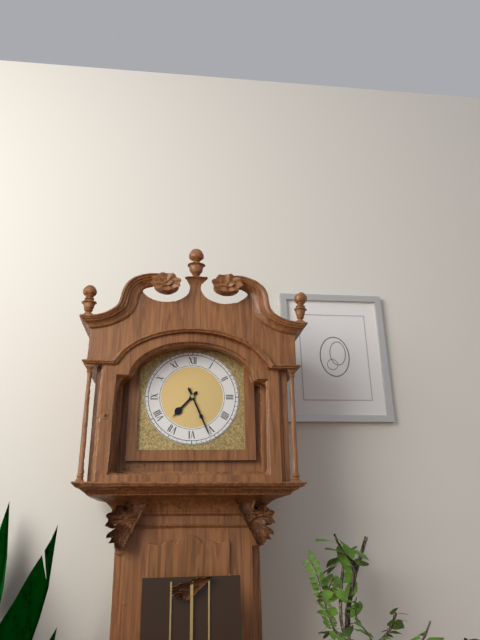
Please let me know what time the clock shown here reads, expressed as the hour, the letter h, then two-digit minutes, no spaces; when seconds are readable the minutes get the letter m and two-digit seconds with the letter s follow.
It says 7h26
